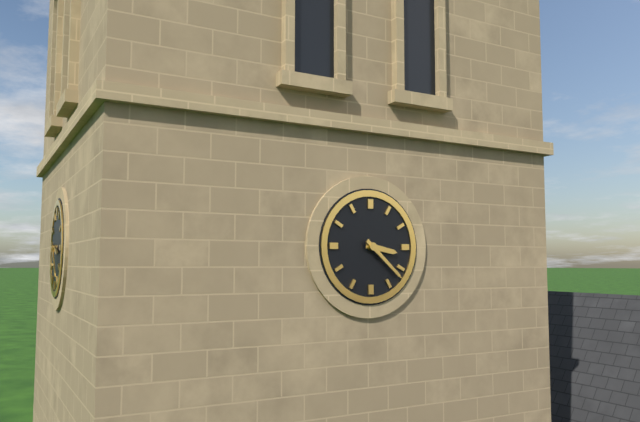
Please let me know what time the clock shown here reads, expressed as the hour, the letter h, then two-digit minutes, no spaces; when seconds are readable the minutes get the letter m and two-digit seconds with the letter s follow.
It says 3h22
